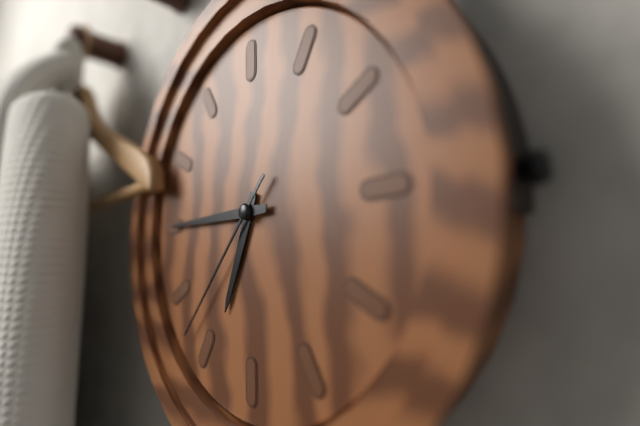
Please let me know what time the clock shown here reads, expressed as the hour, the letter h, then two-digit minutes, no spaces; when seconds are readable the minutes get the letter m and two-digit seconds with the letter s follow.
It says 6h45m37s
